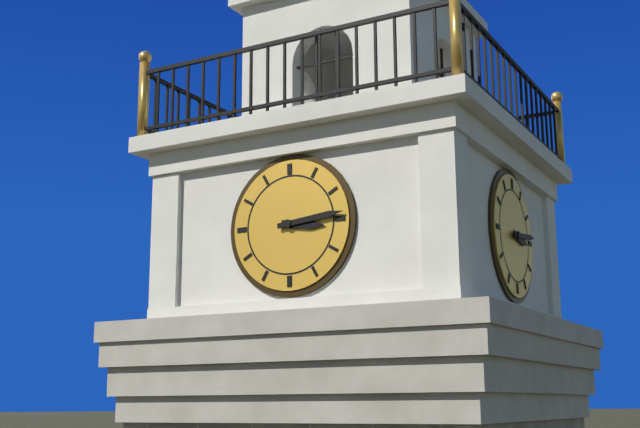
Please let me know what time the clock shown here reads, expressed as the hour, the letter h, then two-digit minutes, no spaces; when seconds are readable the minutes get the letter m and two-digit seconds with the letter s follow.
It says 3h14
